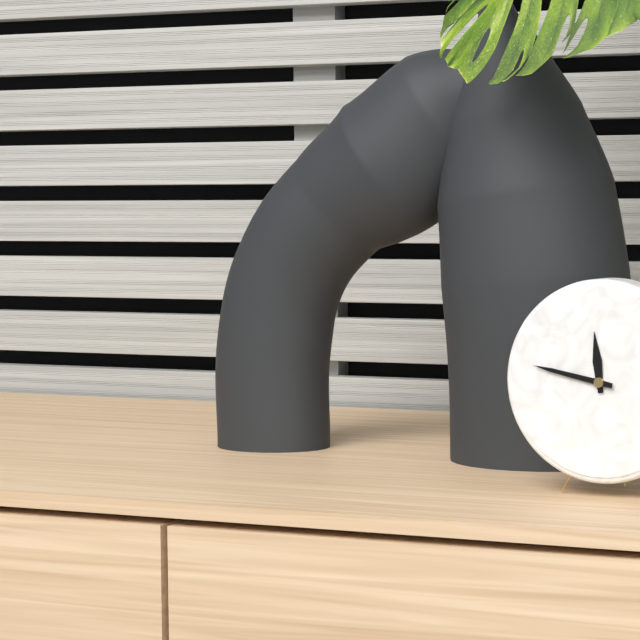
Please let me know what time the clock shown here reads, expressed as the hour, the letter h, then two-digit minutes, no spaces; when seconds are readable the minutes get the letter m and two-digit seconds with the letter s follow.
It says 11h47
